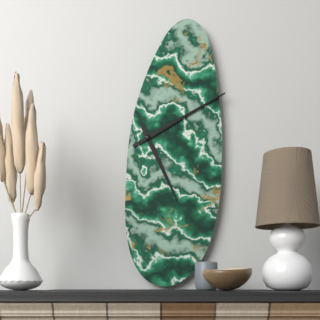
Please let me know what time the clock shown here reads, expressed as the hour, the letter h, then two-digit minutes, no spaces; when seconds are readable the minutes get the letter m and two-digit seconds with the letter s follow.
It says 5h10
